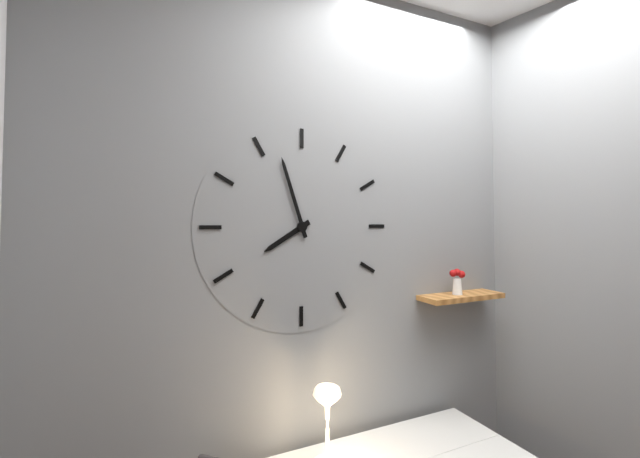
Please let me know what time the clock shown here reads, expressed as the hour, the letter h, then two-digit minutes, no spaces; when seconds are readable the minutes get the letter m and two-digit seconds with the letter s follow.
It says 7h57
